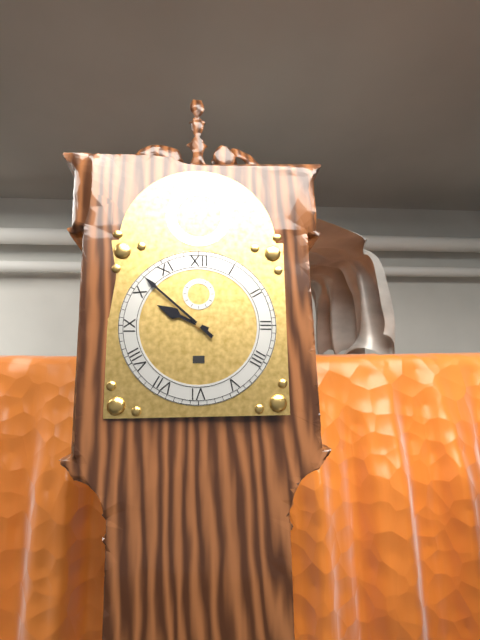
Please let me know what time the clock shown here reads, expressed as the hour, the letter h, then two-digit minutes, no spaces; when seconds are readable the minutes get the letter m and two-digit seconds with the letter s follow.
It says 9h52
